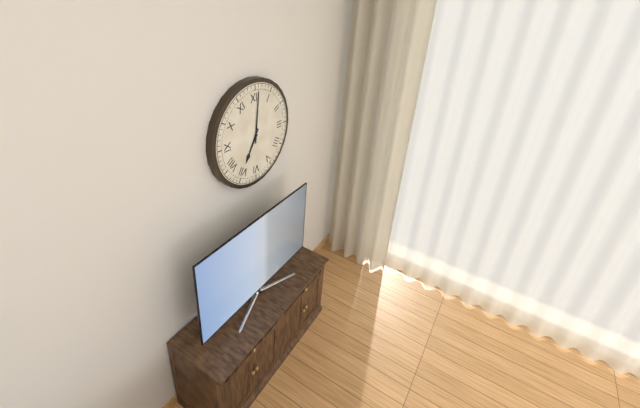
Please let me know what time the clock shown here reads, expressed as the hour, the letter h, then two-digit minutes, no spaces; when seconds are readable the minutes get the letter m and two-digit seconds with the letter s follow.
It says 7h01
